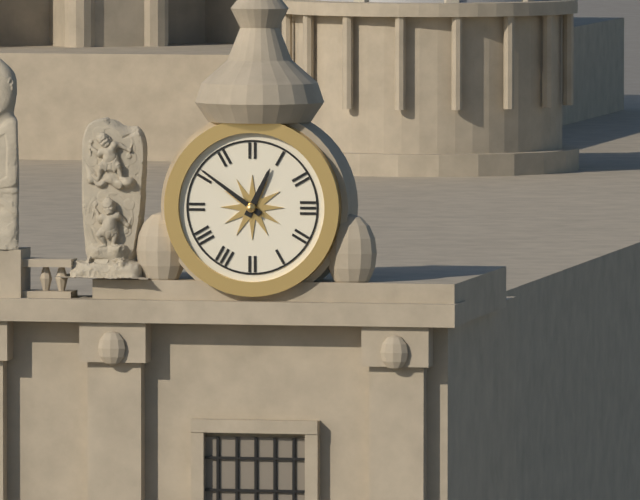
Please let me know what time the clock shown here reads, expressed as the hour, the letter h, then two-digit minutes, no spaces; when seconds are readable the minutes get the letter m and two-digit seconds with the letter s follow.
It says 12h51
